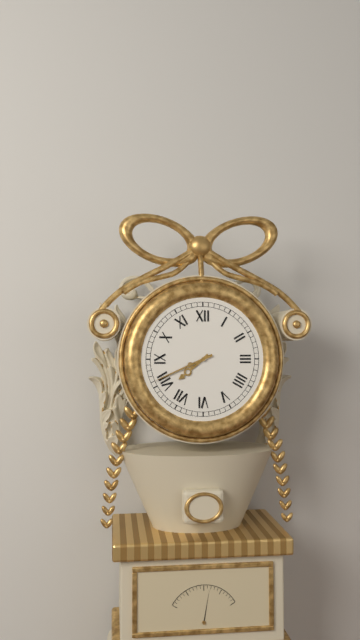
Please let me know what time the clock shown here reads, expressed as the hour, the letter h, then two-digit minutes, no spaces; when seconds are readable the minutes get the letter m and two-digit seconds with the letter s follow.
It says 7h41
